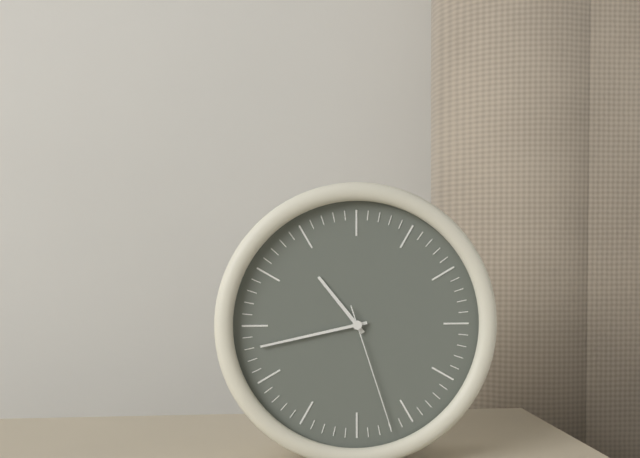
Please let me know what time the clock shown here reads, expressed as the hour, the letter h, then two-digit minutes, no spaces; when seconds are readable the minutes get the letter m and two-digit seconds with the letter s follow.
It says 10h43m27s
